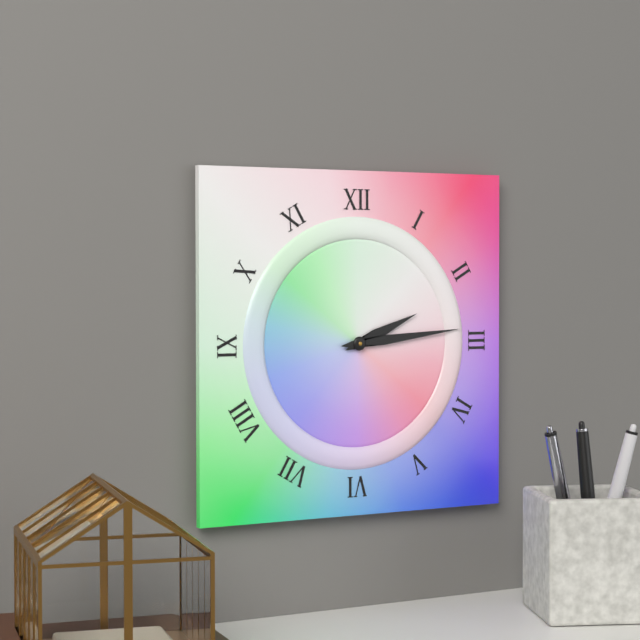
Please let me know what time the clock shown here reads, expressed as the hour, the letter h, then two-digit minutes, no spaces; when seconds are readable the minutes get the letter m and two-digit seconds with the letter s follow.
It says 2h14
